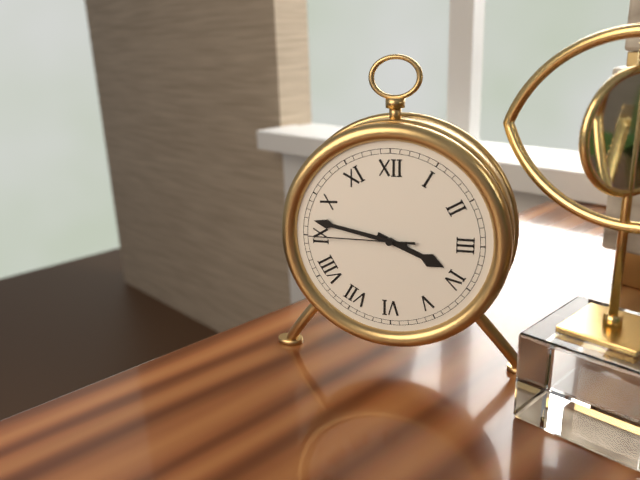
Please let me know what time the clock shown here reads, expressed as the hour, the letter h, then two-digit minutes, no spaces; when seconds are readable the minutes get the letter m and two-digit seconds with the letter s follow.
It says 3h47m45s
